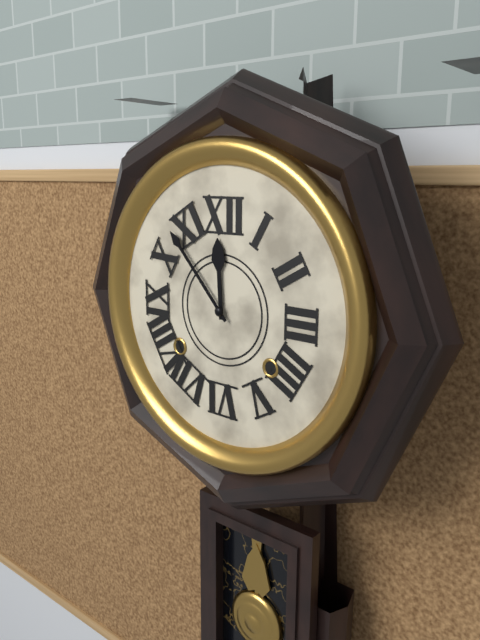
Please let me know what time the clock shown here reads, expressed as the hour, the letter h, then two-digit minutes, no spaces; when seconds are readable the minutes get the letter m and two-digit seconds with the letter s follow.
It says 11h53
